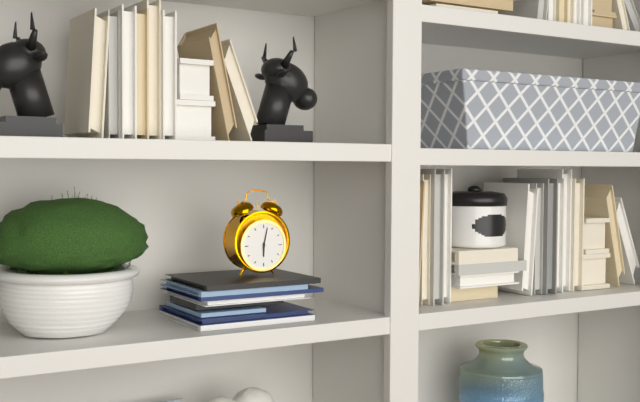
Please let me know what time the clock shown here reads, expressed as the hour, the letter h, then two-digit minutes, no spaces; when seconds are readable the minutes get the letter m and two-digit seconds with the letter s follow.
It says 6h02
